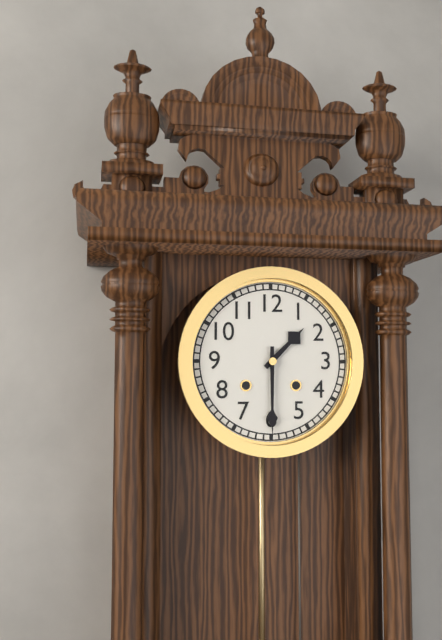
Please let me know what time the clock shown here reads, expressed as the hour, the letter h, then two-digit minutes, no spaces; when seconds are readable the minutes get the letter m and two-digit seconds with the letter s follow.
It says 1h30
